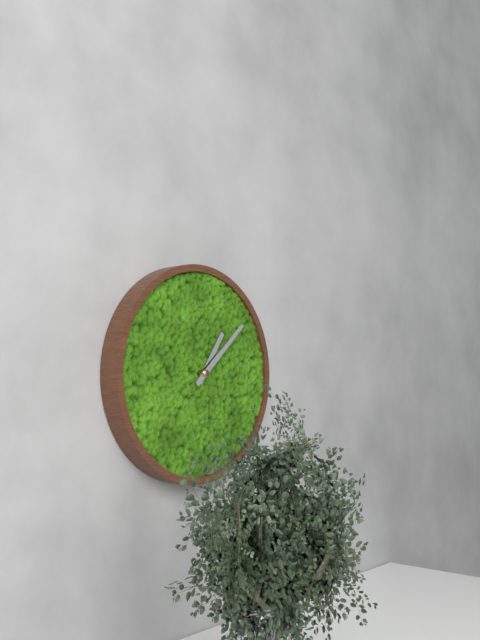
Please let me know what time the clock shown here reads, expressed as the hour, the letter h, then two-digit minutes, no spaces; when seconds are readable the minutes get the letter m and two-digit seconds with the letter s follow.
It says 1h08
